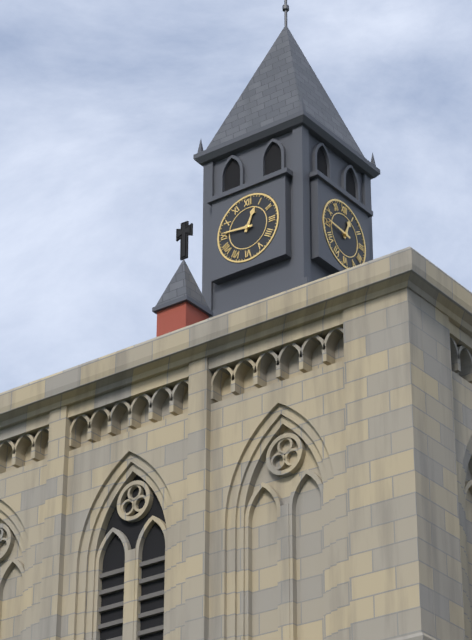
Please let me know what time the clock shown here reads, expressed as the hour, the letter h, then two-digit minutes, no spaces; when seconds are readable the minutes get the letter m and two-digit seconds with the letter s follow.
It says 12h46
